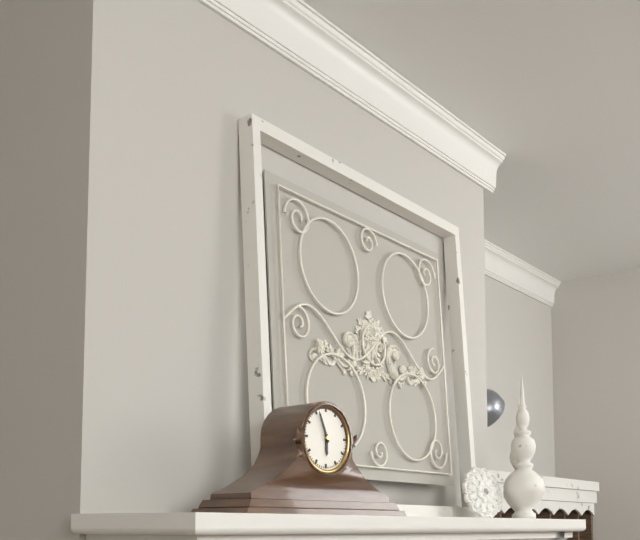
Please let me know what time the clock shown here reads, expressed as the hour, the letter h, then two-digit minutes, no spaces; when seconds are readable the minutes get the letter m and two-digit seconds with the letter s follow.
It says 5h56
